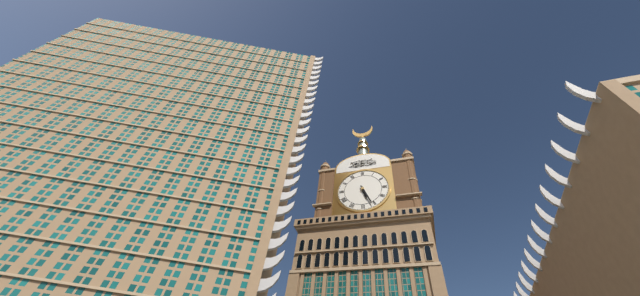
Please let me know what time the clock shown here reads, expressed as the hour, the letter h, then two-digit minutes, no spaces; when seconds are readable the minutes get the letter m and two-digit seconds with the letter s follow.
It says 5h26
